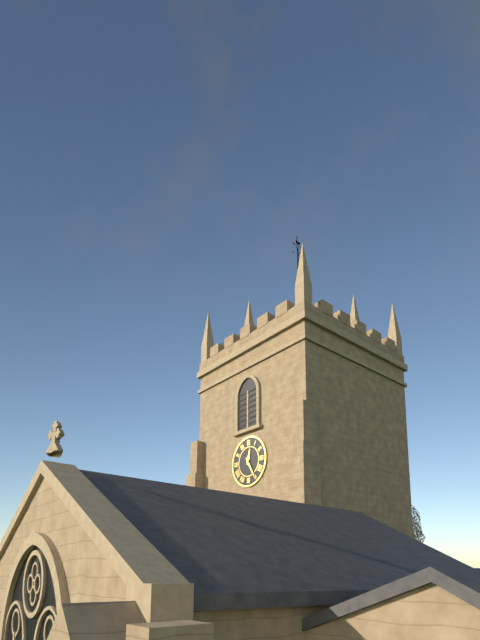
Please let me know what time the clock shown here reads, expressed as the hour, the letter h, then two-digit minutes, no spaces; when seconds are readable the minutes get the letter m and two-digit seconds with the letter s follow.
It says 12h25
